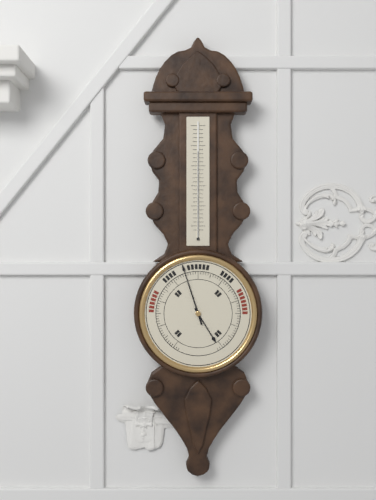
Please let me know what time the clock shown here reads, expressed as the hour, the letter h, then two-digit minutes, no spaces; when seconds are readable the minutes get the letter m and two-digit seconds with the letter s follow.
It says 4h57
